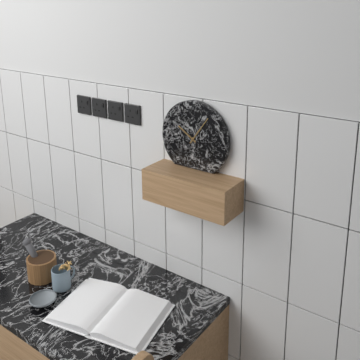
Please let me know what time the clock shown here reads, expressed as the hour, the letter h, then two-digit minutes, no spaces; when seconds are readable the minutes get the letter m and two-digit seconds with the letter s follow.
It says 10h06
